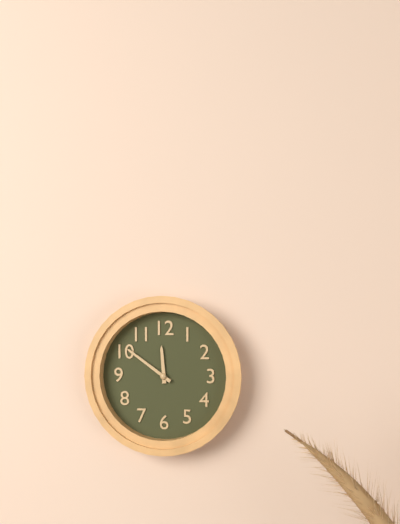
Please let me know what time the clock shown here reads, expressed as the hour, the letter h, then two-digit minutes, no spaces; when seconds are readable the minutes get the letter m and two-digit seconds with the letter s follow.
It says 11h51
